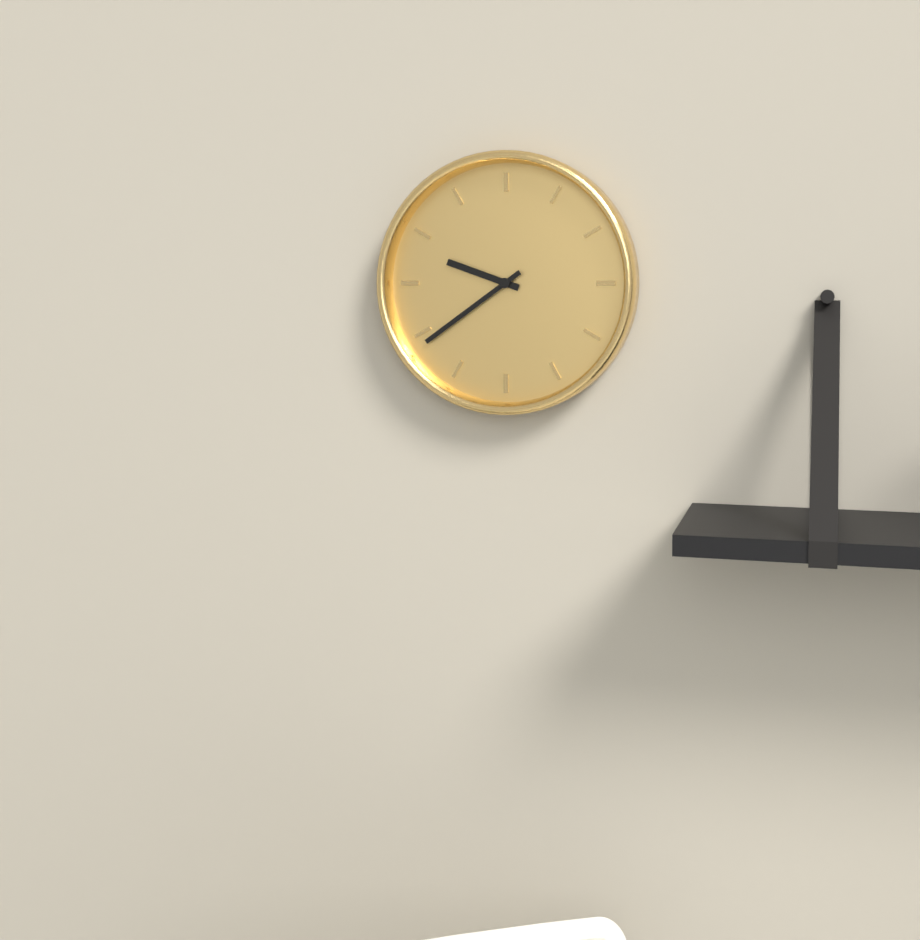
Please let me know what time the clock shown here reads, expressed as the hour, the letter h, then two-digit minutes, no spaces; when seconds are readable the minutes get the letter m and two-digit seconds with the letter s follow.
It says 9h39
